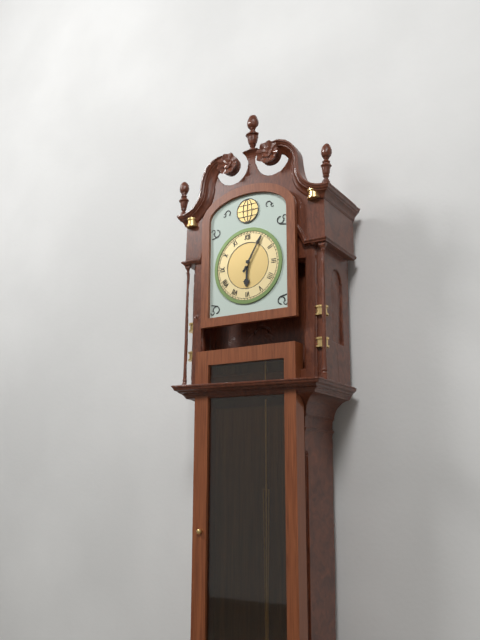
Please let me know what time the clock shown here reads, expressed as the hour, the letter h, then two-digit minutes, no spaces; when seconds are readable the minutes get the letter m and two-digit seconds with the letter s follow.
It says 6h05
